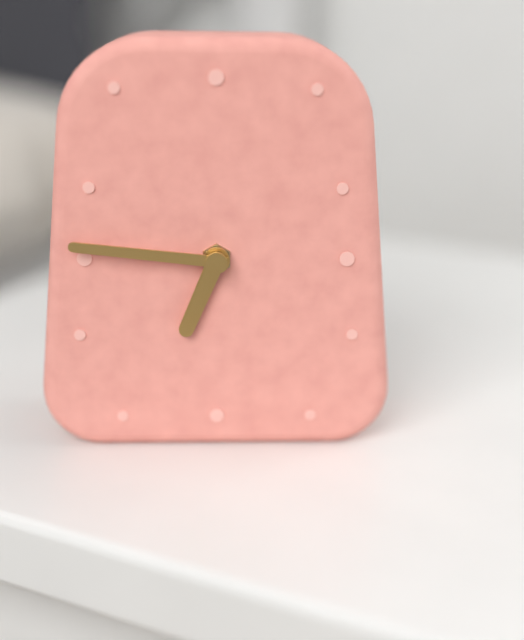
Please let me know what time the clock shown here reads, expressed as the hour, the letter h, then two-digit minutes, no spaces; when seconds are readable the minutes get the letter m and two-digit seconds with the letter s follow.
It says 6h46
